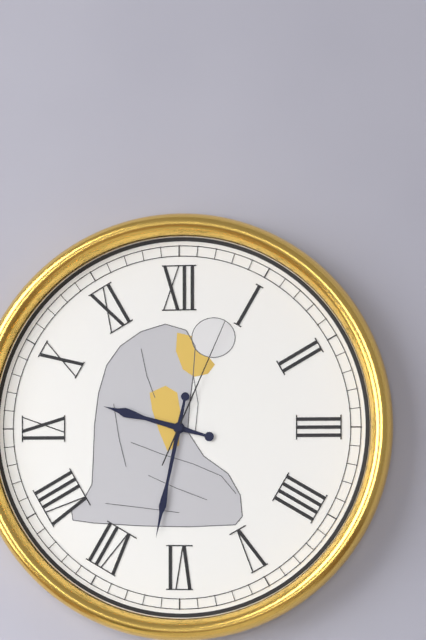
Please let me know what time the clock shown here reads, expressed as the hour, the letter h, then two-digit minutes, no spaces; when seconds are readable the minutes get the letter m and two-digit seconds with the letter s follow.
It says 9h32m04s
